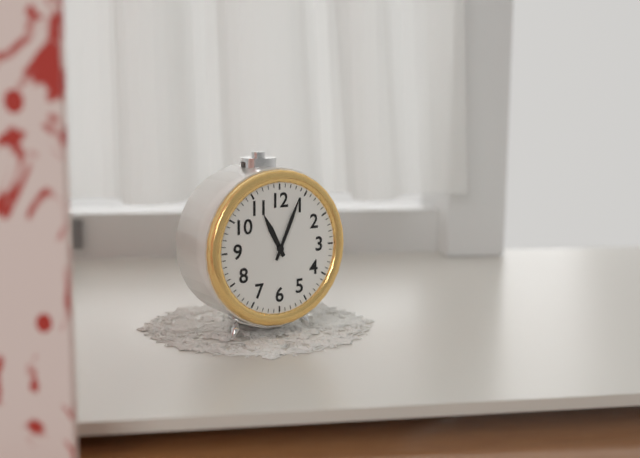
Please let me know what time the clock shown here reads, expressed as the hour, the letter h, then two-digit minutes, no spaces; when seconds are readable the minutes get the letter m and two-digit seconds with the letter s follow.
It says 11h04
